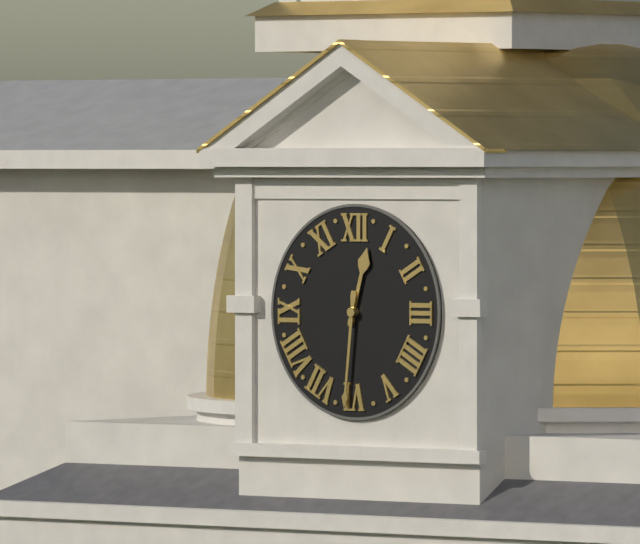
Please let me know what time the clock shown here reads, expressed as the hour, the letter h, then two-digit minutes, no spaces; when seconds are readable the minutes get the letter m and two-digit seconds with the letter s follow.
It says 12h31
